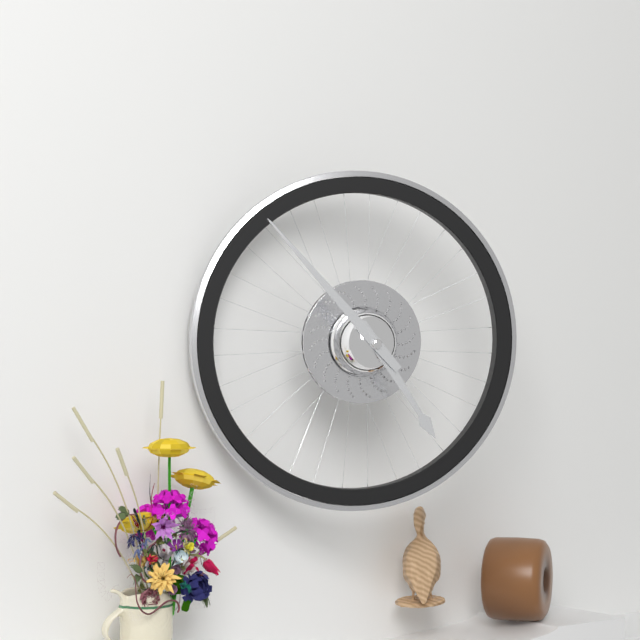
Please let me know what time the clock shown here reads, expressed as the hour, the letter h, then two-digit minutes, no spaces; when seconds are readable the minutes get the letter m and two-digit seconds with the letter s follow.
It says 4h53
